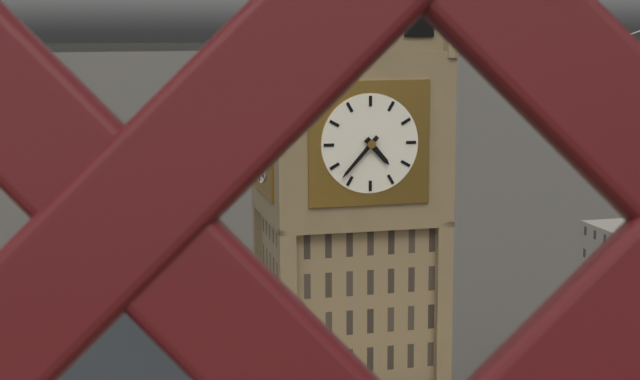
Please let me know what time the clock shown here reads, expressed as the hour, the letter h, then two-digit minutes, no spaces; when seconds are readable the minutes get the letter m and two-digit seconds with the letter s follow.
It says 4h37
